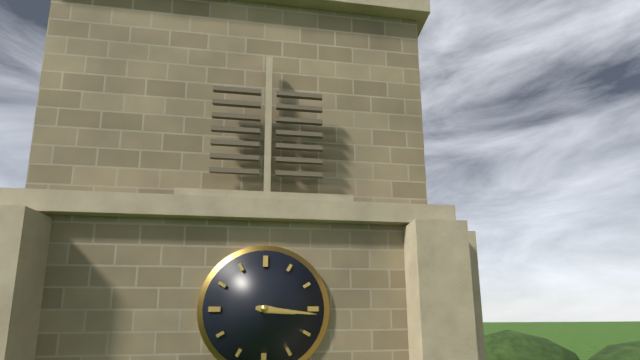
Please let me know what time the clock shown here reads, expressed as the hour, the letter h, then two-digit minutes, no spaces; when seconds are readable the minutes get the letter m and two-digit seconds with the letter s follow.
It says 3h16
